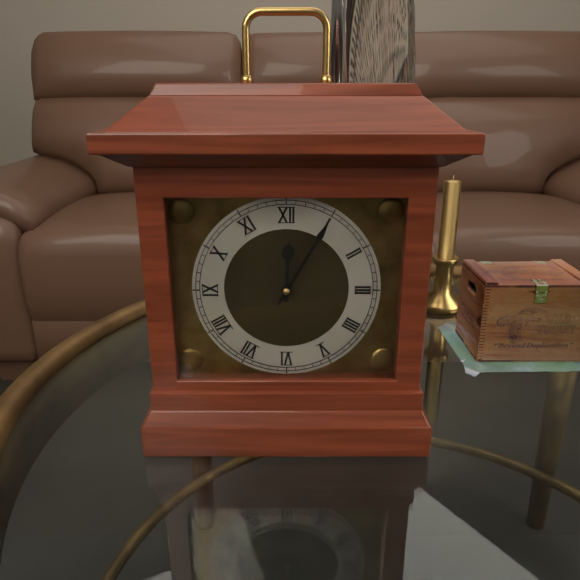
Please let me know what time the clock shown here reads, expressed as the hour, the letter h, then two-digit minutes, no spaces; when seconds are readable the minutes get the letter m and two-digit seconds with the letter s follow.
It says 12h05
